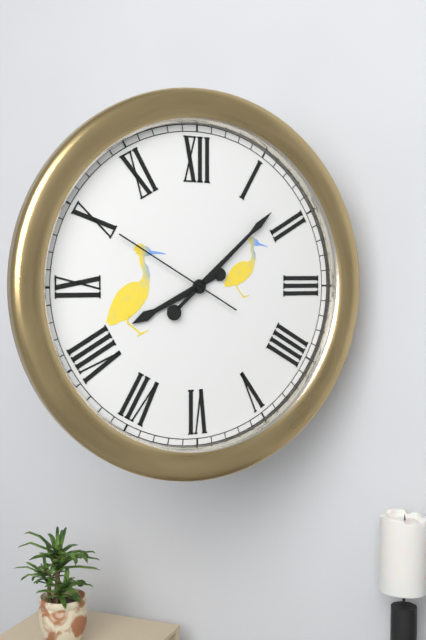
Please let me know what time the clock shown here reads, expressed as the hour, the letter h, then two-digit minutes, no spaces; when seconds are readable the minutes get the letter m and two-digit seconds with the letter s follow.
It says 8h08m50s
